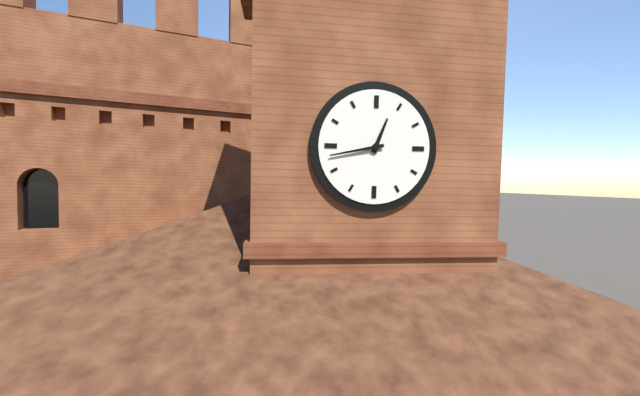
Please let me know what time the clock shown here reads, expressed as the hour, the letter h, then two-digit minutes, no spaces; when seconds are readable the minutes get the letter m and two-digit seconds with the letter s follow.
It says 12h43
